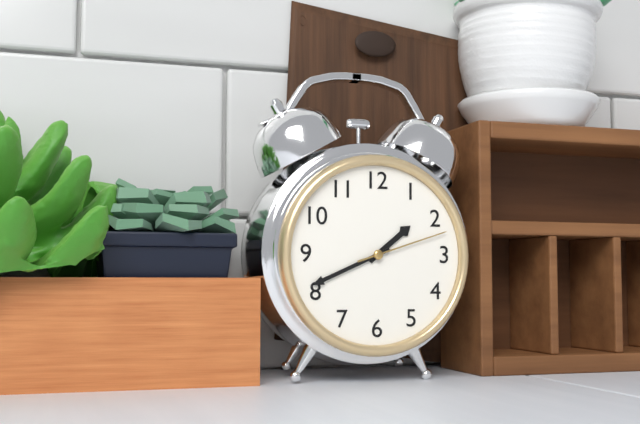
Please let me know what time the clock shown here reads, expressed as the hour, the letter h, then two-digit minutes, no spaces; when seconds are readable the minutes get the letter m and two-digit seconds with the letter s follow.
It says 1h41m12s
